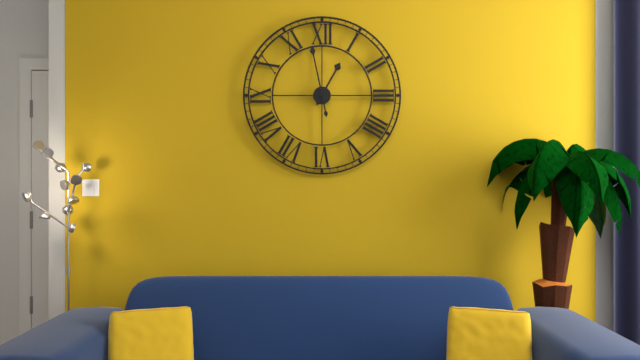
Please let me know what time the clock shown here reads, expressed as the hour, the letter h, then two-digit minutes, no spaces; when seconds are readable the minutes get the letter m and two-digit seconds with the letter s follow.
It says 12h58
